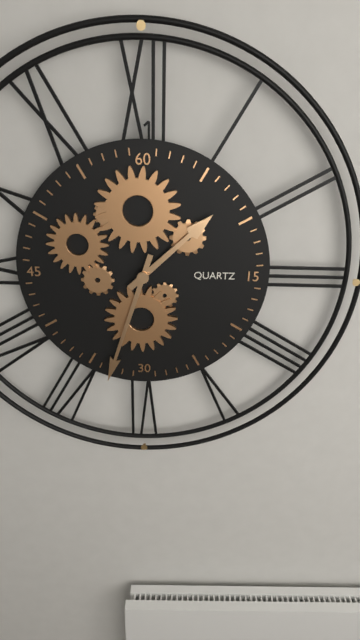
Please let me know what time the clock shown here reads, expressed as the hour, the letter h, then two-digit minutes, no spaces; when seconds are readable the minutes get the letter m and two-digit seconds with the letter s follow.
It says 1h33
